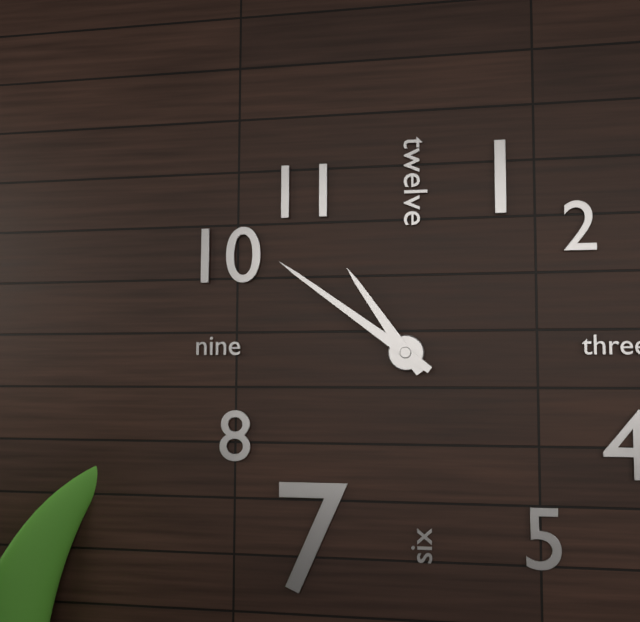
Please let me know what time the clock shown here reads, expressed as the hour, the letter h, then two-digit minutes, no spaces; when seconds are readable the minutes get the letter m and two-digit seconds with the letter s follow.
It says 10h51
